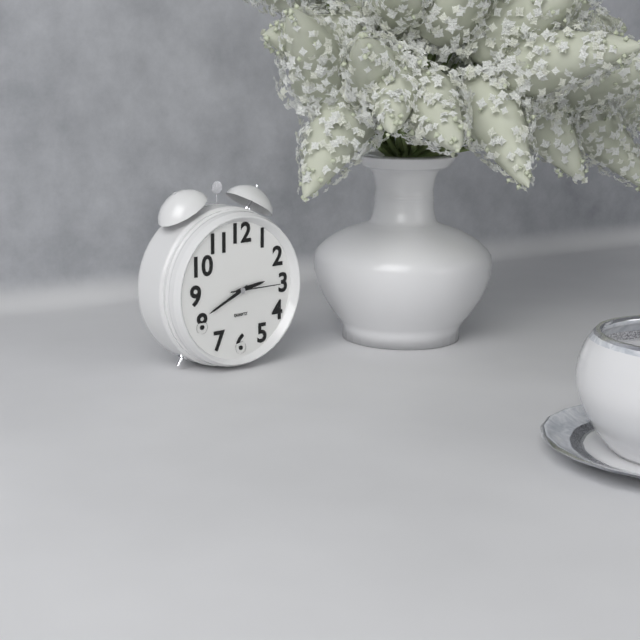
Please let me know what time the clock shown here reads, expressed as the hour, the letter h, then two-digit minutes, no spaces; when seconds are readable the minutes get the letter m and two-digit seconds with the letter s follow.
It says 2h41
